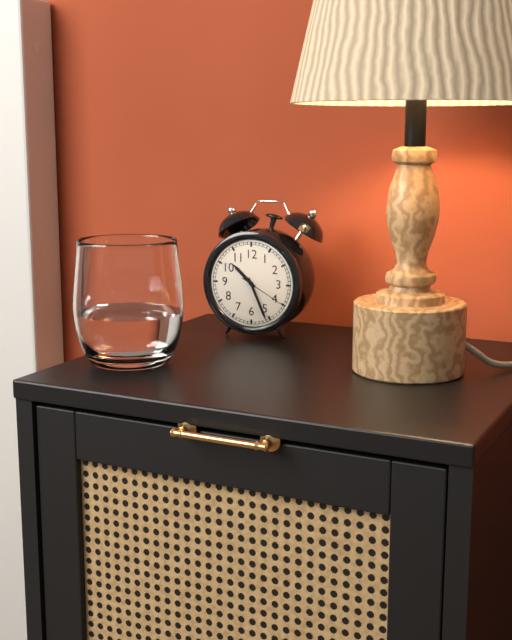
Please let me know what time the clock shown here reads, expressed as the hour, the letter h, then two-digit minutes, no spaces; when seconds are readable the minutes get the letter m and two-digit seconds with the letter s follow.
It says 10h26
